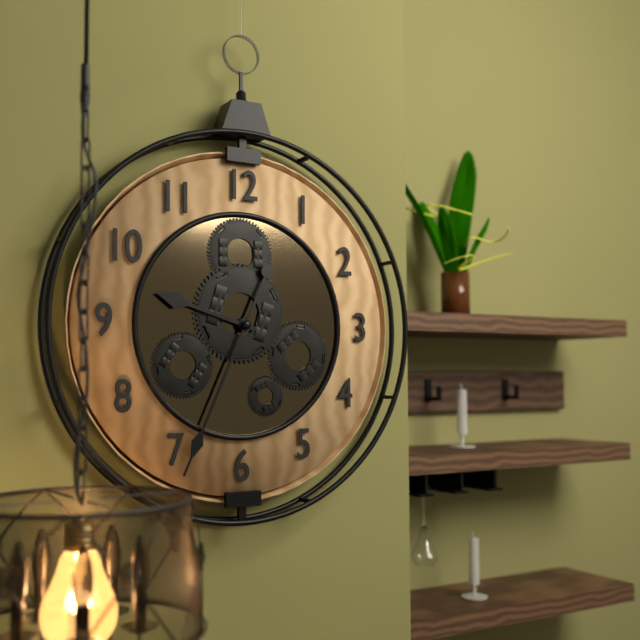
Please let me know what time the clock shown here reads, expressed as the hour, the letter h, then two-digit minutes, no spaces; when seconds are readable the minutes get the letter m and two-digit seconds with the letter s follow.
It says 9h34
